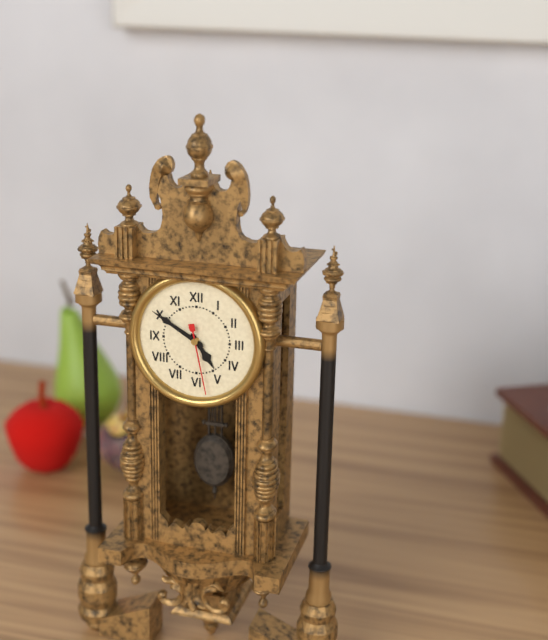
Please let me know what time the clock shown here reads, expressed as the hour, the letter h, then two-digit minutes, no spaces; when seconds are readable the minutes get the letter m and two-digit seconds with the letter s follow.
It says 4h50m28s
